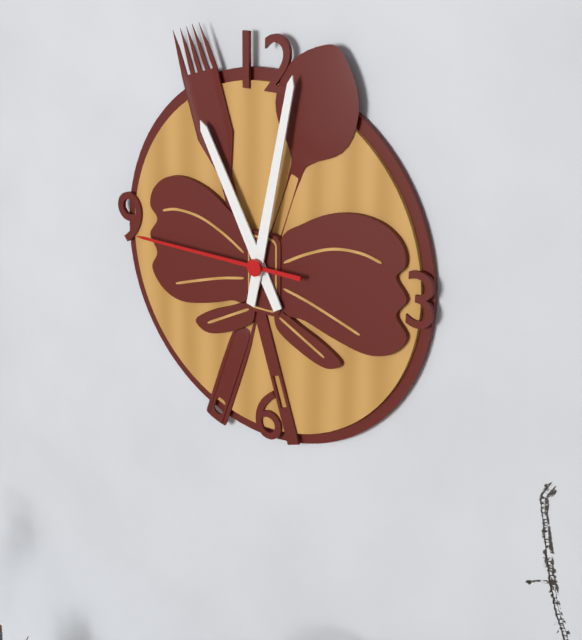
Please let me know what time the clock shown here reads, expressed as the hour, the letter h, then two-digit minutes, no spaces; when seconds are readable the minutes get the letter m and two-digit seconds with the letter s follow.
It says 11h02m45s
